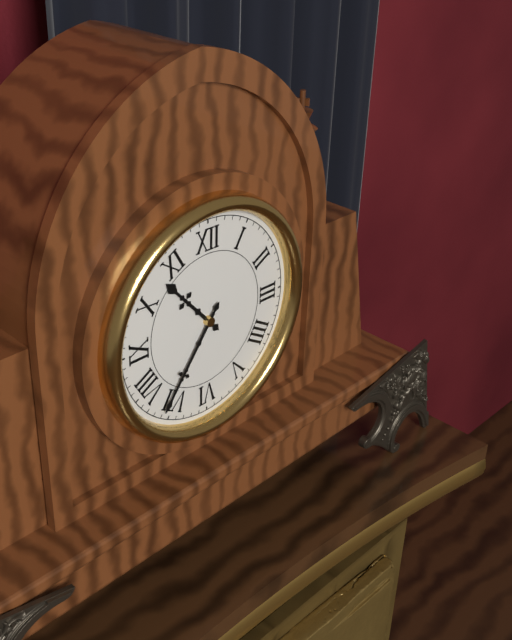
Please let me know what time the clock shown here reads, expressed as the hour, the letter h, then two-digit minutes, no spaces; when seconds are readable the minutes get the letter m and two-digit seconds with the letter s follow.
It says 10h36
